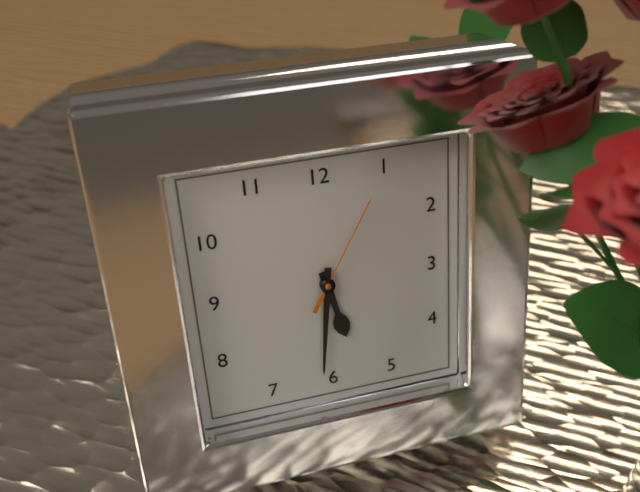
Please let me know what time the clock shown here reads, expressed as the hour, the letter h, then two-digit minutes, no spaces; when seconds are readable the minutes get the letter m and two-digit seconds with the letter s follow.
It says 5h31m05s
